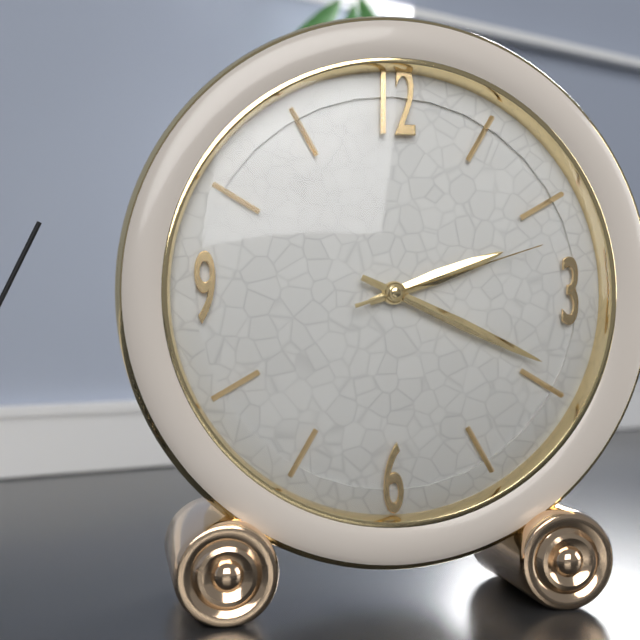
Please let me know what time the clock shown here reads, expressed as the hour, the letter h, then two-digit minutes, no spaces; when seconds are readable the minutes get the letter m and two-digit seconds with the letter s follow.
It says 2h19m12s
